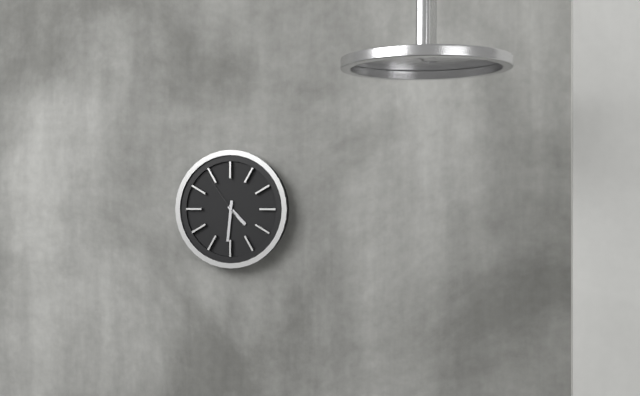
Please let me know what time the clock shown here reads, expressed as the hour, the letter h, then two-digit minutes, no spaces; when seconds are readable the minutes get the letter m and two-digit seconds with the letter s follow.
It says 4h31m54s
